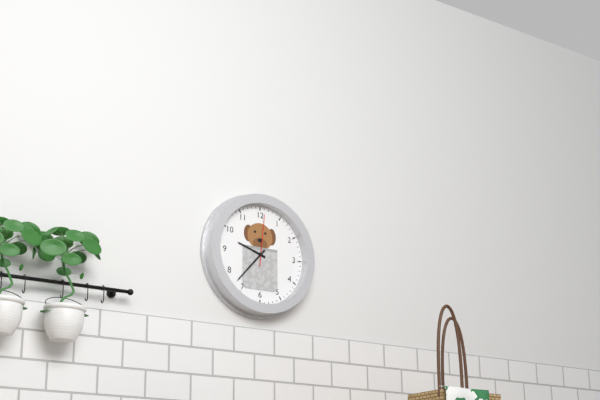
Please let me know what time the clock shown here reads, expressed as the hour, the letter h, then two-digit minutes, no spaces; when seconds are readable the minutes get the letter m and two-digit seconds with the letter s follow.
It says 9h37m01s
